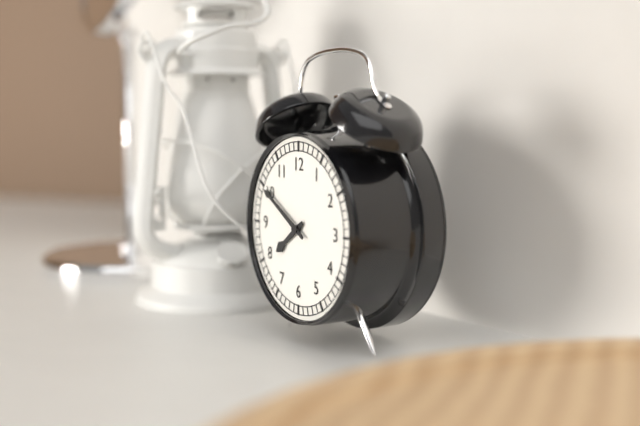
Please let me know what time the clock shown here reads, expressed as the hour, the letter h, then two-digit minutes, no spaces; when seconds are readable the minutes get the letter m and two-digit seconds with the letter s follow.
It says 7h50
